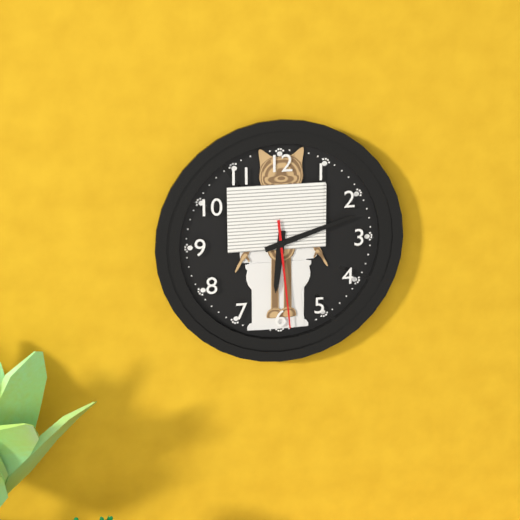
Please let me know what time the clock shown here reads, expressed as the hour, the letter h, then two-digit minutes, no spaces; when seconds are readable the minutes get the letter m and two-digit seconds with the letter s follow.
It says 6h12m29s
